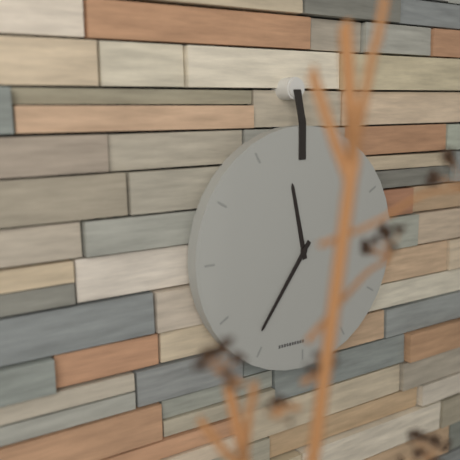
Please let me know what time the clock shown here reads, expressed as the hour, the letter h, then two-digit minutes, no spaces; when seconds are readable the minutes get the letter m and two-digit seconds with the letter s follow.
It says 11h36
